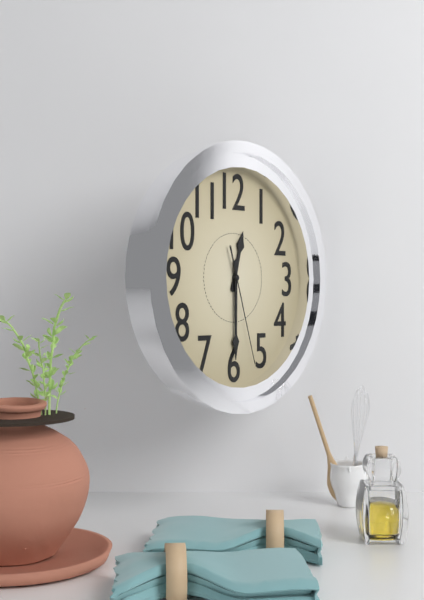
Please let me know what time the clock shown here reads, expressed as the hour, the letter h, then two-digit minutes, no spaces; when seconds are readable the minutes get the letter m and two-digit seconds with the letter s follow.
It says 12h30m27s
